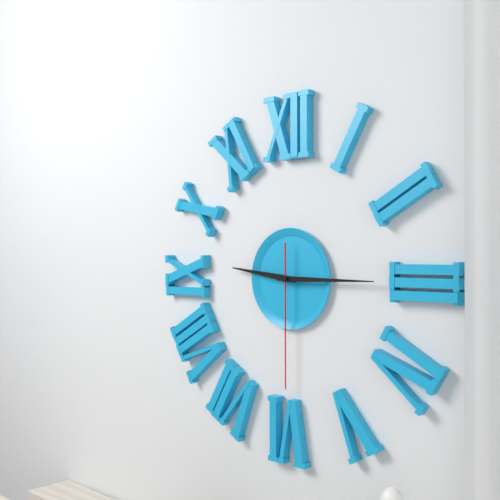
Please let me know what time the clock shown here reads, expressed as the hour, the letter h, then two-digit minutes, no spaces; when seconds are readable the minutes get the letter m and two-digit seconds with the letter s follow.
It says 9h15m30s
